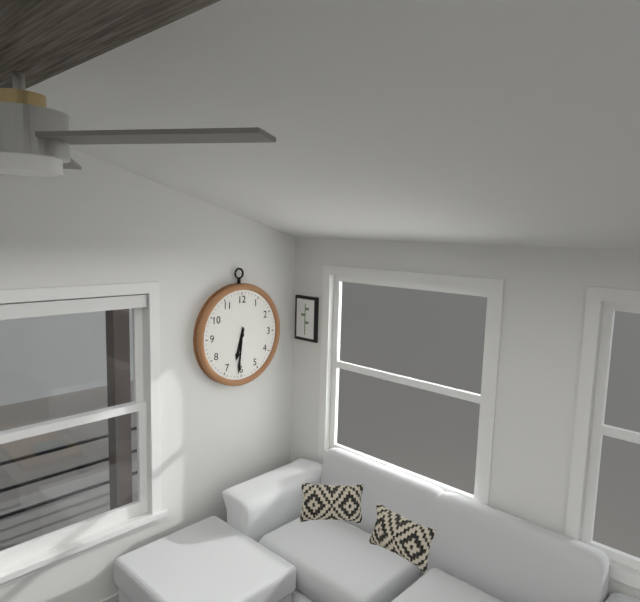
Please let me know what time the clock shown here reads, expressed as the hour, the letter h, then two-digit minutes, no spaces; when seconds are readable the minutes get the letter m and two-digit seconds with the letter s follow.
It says 6h31
